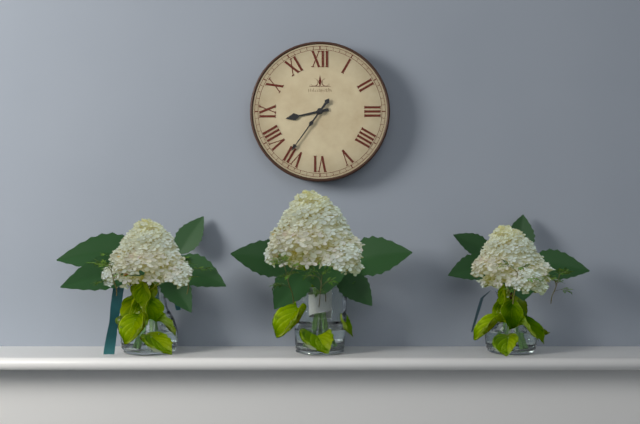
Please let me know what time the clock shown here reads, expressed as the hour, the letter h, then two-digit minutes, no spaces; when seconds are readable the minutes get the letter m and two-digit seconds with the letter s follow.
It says 8h36
